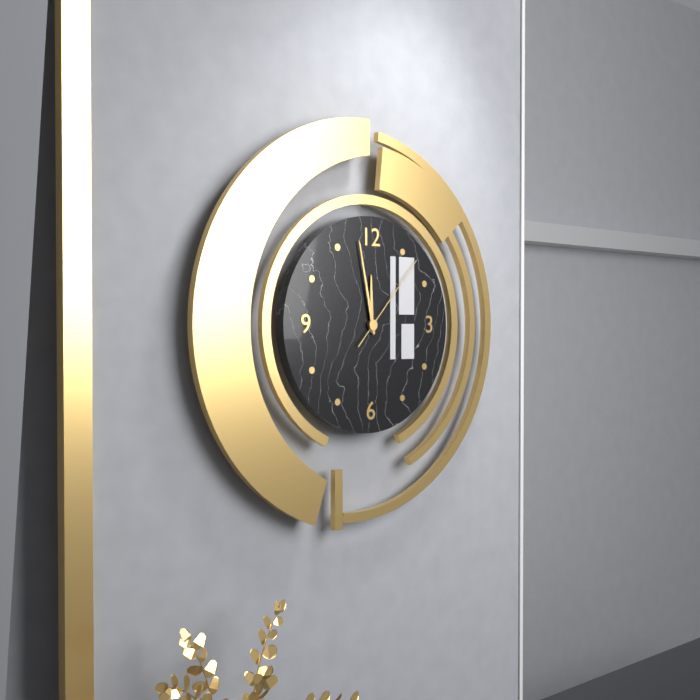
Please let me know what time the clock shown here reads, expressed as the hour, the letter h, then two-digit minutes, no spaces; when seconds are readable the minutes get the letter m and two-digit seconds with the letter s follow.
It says 11h58m07s
